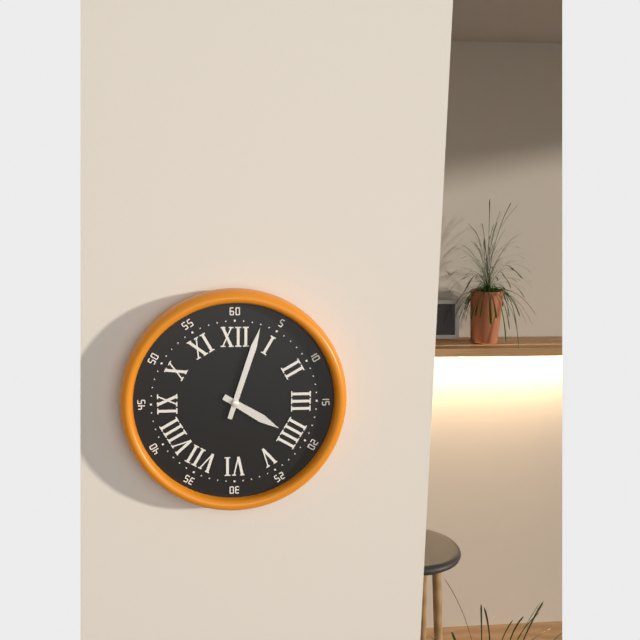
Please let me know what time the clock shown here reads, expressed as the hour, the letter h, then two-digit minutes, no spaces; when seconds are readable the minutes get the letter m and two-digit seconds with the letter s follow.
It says 4h03
